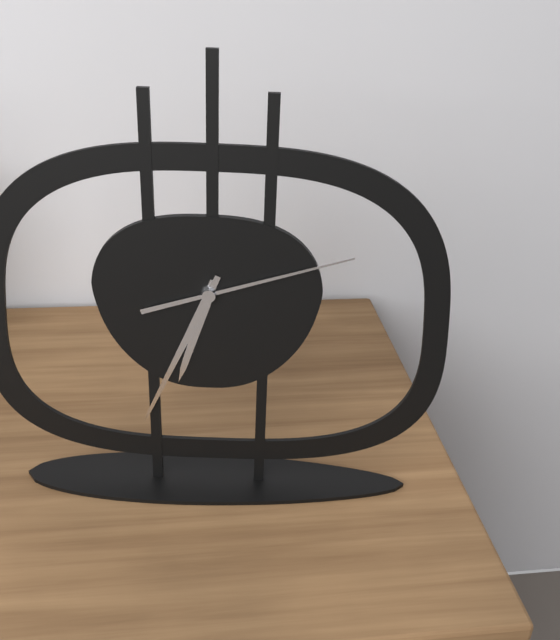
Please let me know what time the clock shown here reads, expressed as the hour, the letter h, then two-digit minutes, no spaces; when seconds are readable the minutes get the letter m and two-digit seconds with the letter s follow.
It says 6h34m12s
